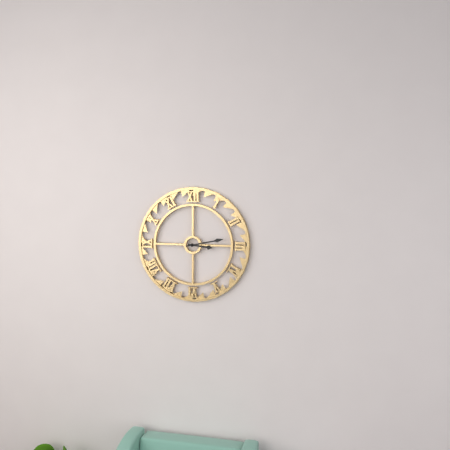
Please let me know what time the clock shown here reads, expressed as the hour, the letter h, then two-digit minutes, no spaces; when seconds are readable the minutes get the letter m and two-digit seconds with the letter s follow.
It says 3h13
